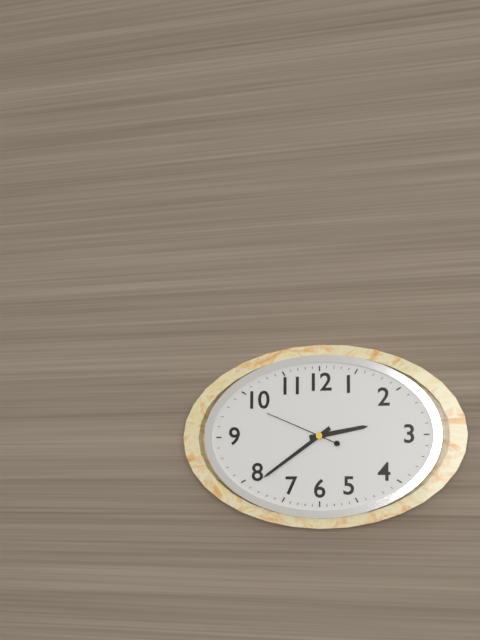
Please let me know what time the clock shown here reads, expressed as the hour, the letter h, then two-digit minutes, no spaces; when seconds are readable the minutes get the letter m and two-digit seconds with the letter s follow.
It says 2h39m49s
